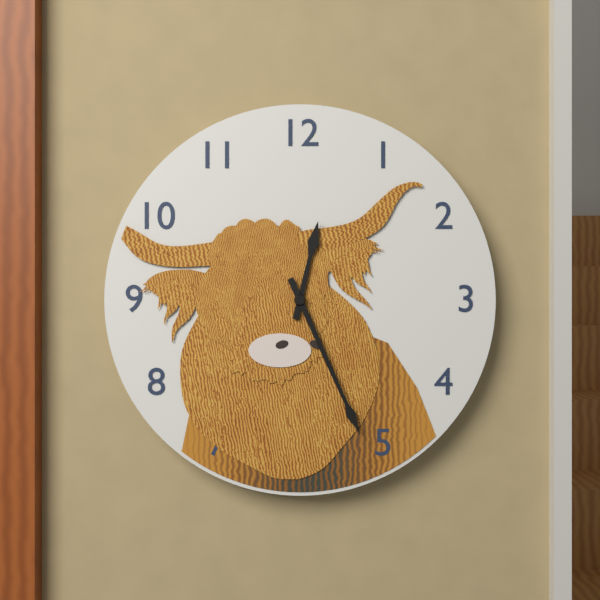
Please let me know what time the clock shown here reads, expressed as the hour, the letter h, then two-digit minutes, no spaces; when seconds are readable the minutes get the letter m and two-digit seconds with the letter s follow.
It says 12h26
